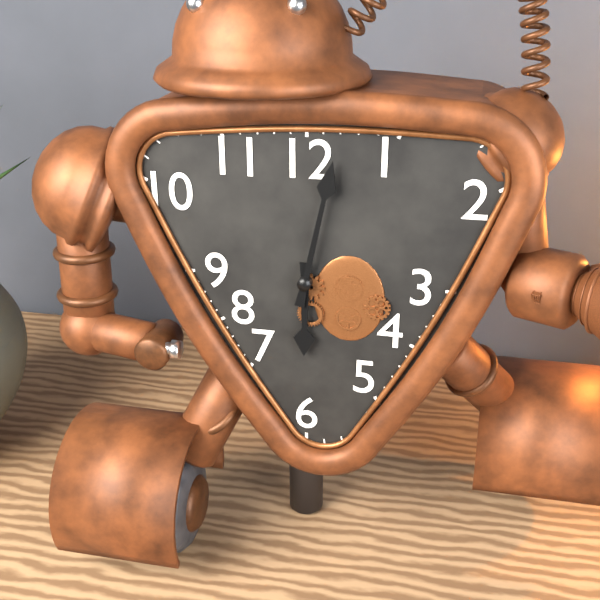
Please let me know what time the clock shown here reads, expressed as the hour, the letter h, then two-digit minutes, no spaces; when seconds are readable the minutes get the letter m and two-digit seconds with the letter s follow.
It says 6h02
